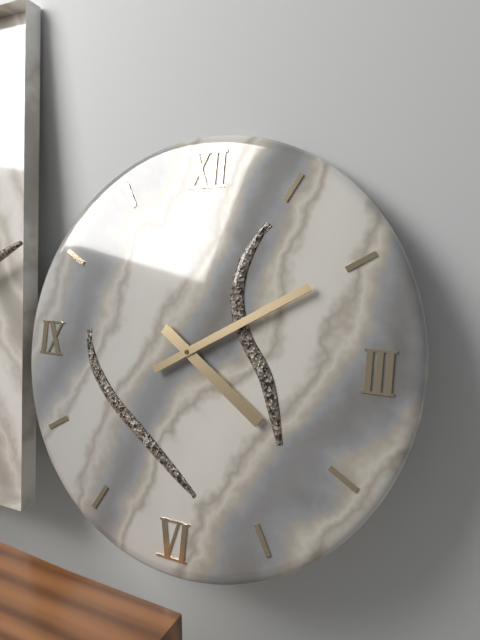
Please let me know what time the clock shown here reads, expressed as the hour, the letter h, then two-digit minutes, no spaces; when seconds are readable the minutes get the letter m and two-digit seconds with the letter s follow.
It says 4h10
